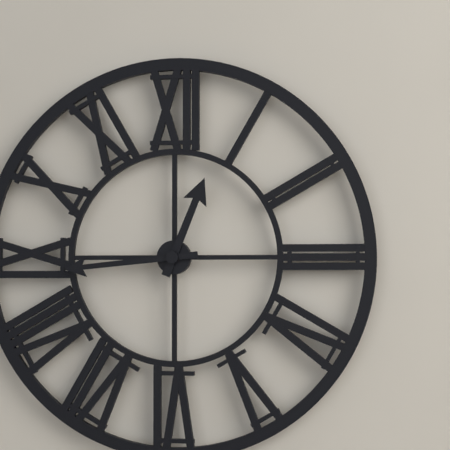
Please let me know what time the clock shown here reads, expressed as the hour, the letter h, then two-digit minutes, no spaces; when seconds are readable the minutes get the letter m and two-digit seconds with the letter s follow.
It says 12h44
